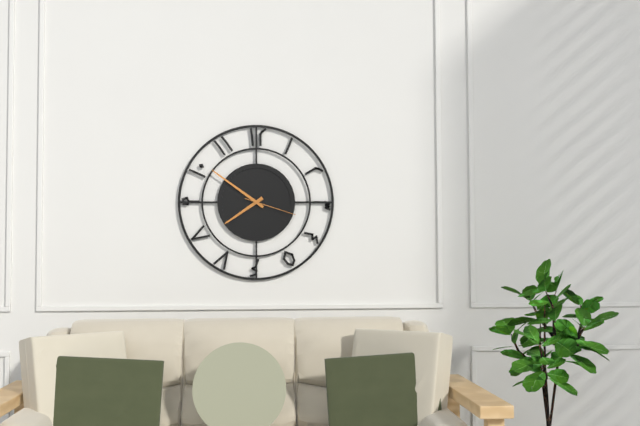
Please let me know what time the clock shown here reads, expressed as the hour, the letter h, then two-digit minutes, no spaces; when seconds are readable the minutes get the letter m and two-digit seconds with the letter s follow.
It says 7h51m18s
